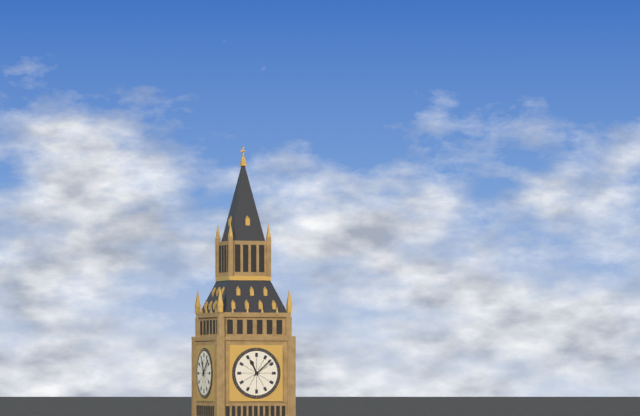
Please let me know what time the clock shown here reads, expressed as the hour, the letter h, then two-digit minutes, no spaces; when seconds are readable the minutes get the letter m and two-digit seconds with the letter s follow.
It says 11h08
